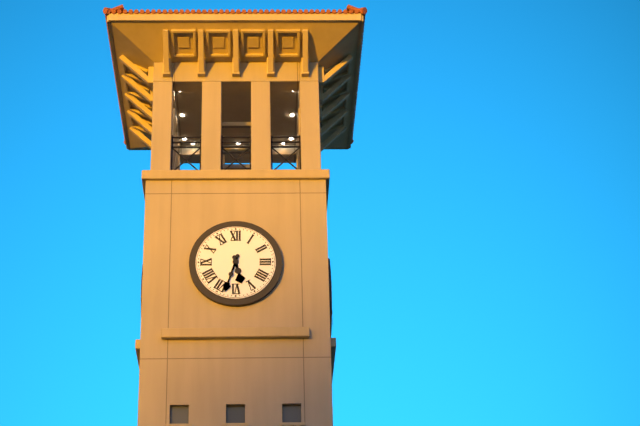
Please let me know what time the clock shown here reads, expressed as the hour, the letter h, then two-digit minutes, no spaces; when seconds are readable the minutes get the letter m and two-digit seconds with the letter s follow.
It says 5h33
